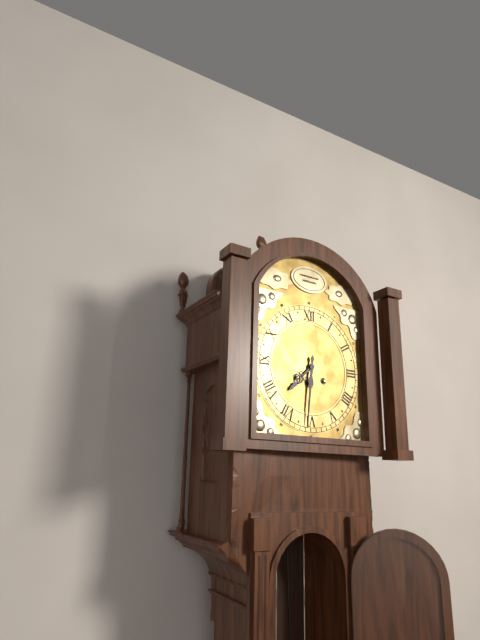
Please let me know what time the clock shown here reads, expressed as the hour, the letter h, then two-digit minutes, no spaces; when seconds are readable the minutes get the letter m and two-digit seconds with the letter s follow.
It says 7h31
